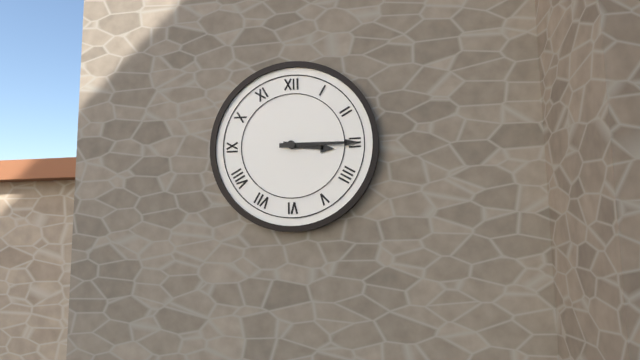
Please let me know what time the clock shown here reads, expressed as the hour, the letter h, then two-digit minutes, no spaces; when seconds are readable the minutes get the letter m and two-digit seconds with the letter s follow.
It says 3h15
